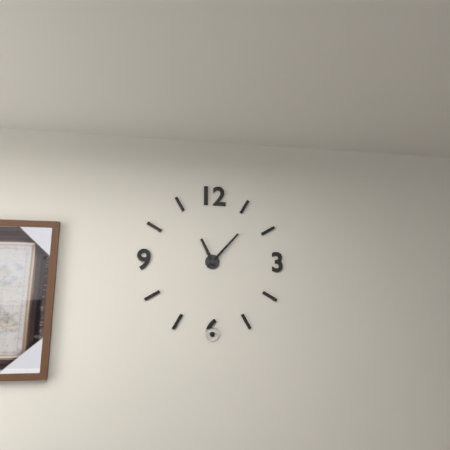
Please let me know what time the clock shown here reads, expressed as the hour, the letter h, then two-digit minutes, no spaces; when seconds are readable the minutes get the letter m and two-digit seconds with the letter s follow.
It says 11h07
